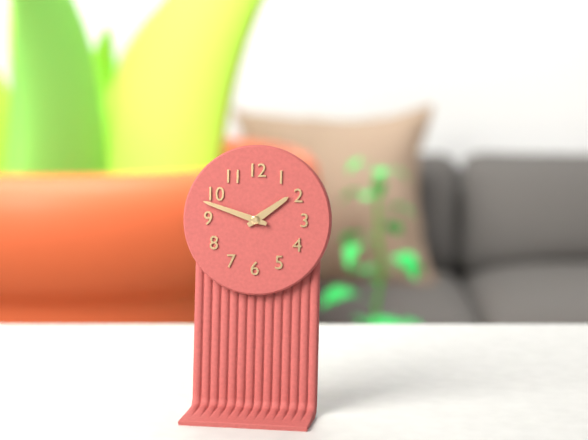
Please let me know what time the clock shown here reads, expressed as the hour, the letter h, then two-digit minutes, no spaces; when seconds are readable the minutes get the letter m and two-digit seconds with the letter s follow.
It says 1h48
